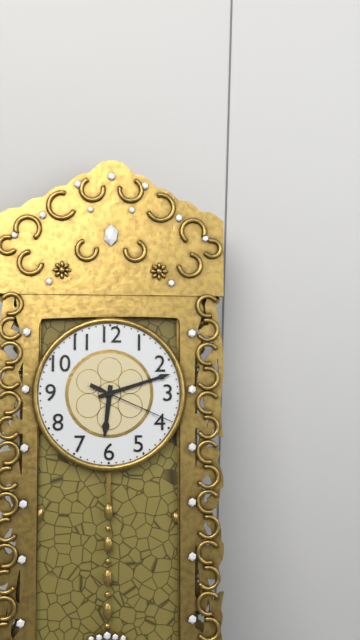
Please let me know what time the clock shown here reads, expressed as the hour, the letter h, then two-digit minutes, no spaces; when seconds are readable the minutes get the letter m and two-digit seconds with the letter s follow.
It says 6h12m19s
